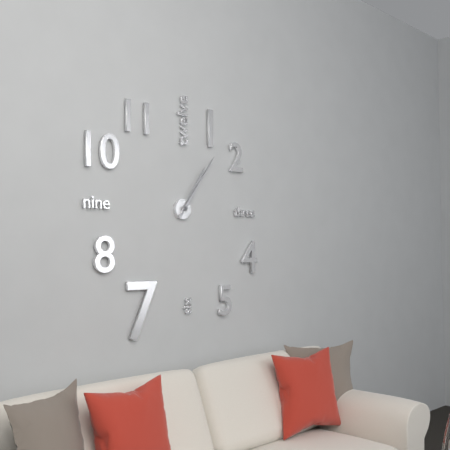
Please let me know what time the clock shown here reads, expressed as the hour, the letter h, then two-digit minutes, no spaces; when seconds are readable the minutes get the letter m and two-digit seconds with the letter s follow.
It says 1h06
